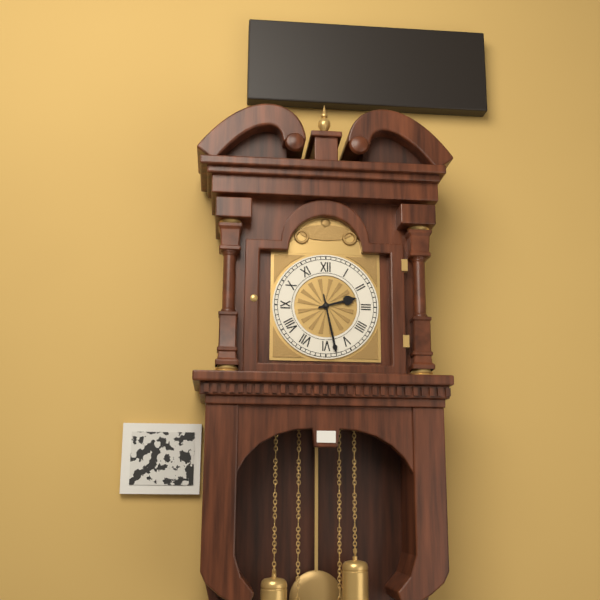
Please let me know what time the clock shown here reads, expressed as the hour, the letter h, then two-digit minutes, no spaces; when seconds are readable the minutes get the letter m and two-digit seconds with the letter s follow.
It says 2h28
